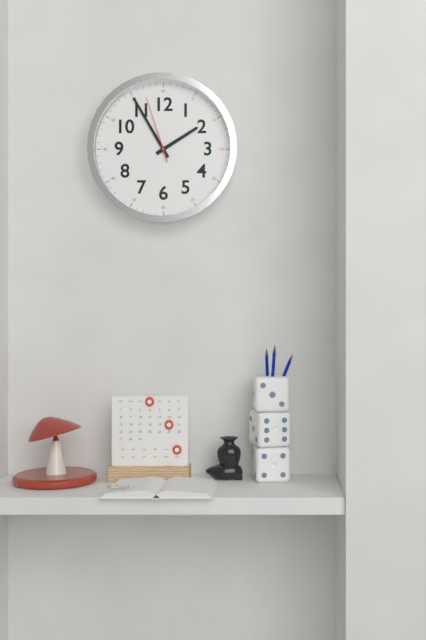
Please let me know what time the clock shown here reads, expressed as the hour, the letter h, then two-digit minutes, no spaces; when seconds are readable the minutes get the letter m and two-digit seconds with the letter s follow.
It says 1h55m57s
